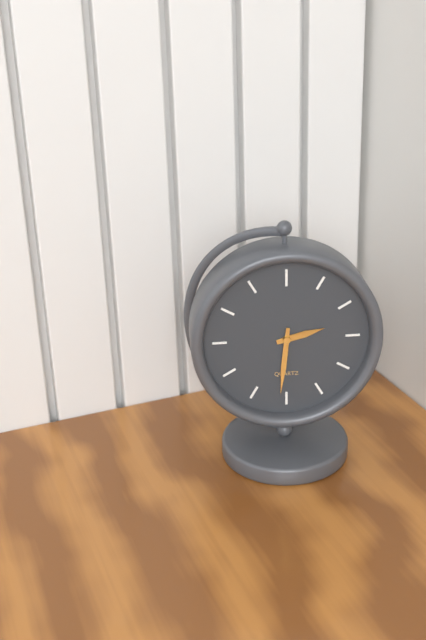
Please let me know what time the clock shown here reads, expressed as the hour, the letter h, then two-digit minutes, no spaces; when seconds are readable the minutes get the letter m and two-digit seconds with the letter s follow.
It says 2h31
